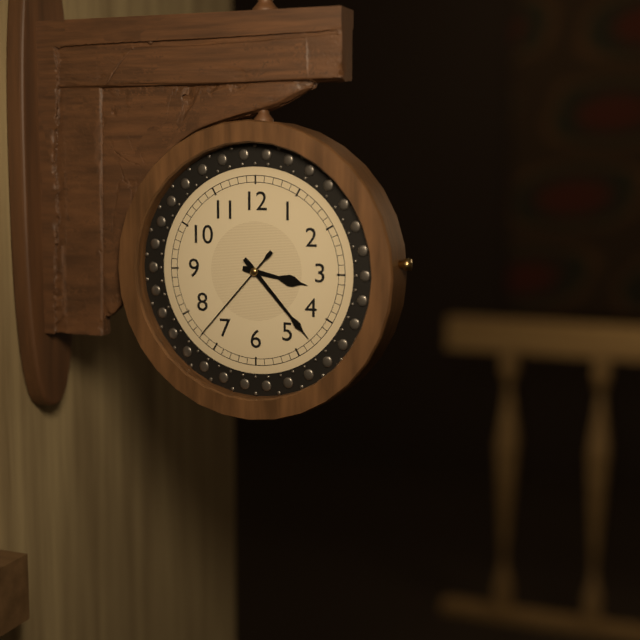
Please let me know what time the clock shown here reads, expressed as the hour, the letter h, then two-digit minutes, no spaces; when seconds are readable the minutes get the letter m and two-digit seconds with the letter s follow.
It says 3h23m37s
